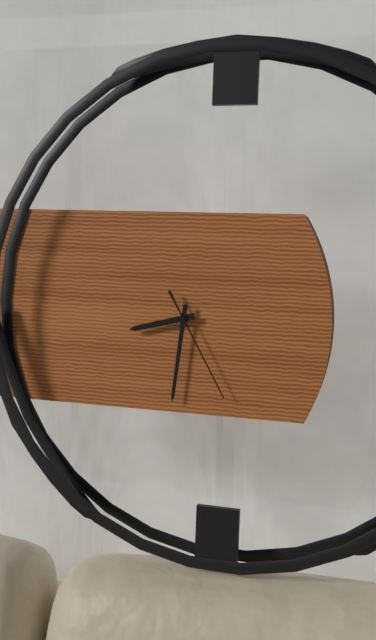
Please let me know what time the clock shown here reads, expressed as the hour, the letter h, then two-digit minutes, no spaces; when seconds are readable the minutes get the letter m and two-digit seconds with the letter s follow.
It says 8h31m25s
